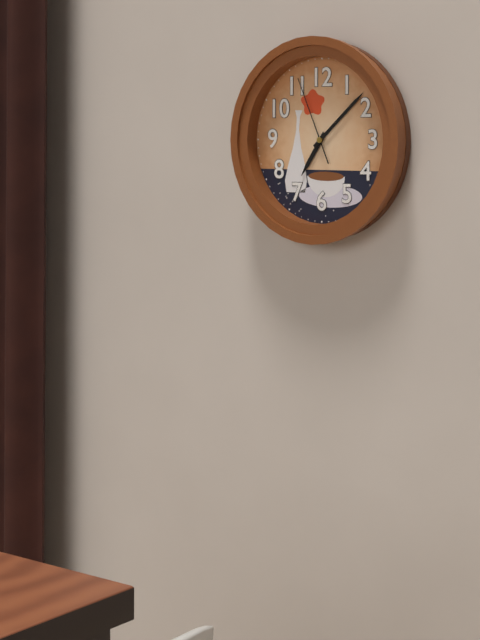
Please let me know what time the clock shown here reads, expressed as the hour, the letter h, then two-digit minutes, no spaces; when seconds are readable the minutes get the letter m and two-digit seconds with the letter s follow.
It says 7h08m56s
